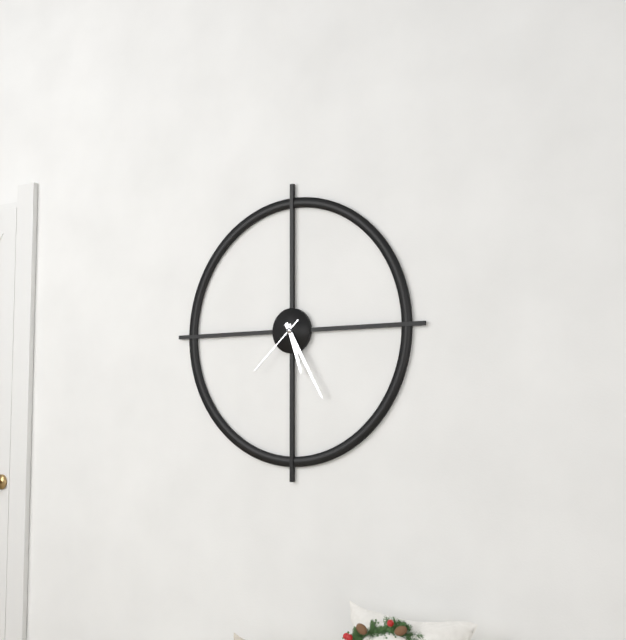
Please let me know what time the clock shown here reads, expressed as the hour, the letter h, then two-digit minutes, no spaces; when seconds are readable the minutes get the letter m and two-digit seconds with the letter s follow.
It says 5h25m38s
